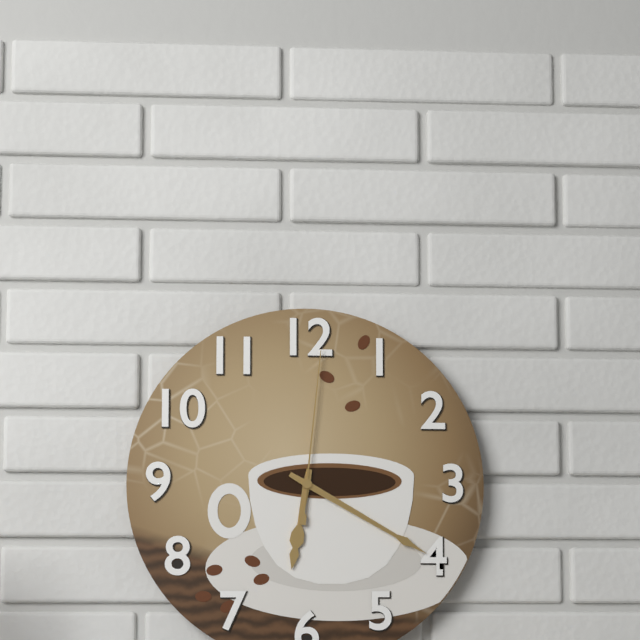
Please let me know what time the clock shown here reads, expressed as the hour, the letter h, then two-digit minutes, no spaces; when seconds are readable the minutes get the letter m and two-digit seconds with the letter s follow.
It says 6h20m01s
